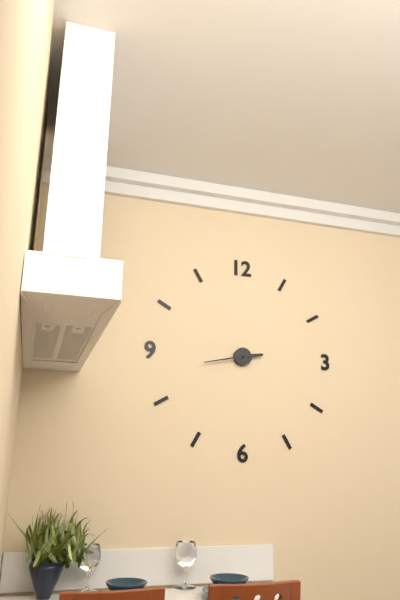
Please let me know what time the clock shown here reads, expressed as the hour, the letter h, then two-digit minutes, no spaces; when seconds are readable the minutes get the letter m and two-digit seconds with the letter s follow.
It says 2h43
